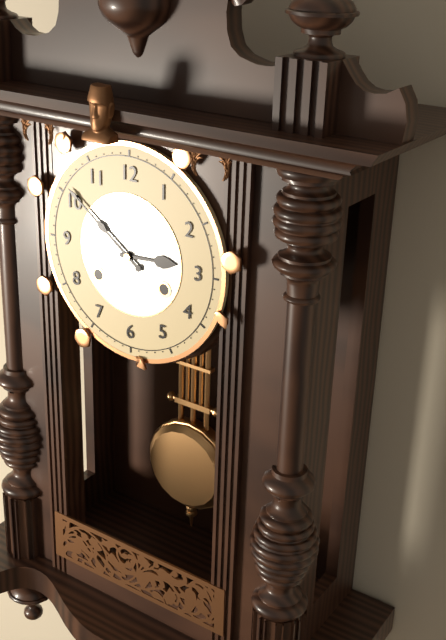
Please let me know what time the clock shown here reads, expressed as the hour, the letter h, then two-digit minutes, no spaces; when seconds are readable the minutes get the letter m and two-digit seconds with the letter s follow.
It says 2h51
